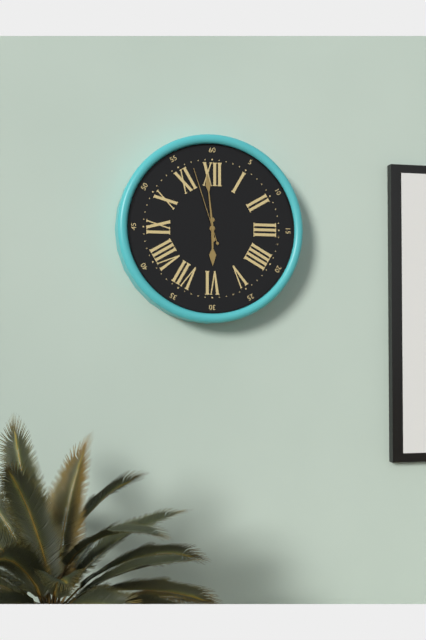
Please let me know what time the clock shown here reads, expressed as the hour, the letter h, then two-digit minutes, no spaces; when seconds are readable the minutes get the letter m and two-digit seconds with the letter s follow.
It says 5h59m57s
